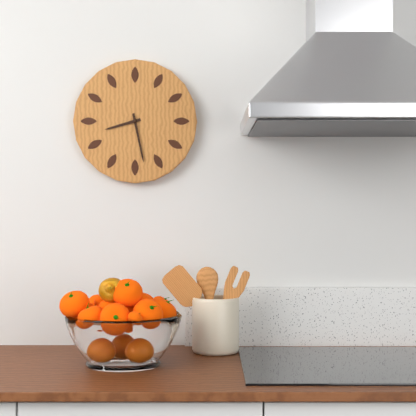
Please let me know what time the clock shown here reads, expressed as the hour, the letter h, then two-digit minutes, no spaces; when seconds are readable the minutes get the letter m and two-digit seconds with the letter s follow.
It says 8h28
